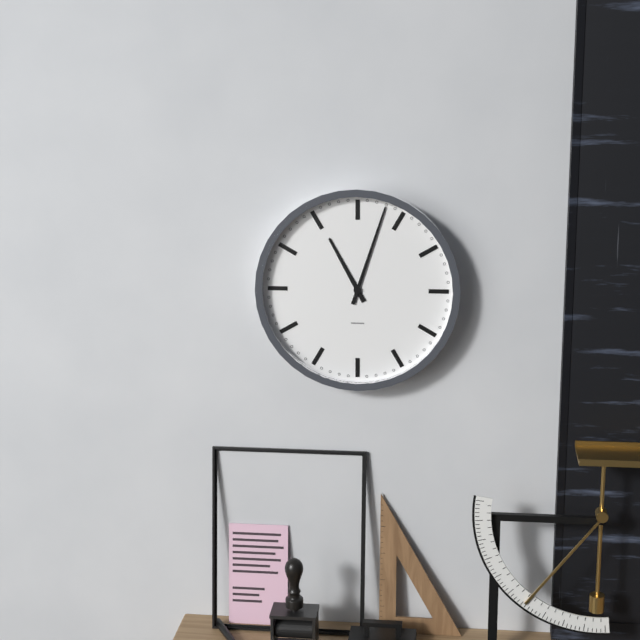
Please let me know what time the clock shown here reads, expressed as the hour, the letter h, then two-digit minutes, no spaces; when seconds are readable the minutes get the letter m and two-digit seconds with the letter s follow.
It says 11h03
